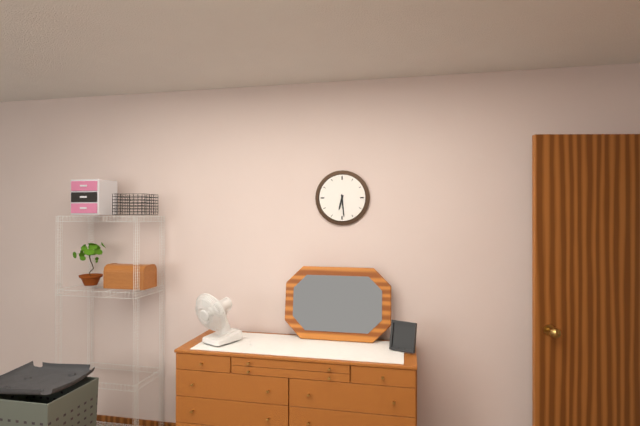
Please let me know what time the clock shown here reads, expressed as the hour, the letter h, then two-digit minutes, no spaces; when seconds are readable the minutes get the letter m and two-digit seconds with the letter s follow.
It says 6h29
